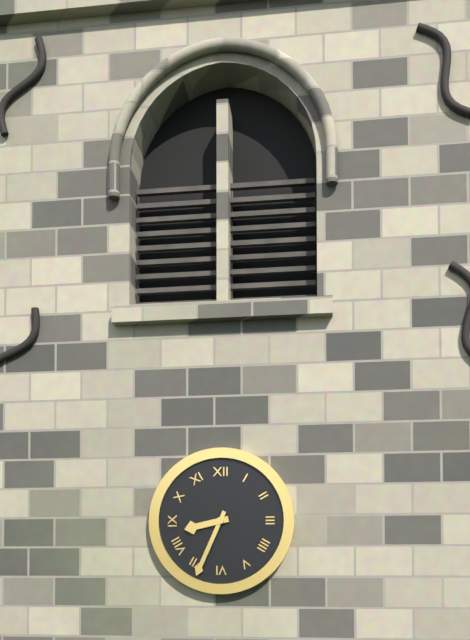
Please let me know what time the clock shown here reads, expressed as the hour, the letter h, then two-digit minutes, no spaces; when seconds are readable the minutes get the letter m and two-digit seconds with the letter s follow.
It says 8h34
